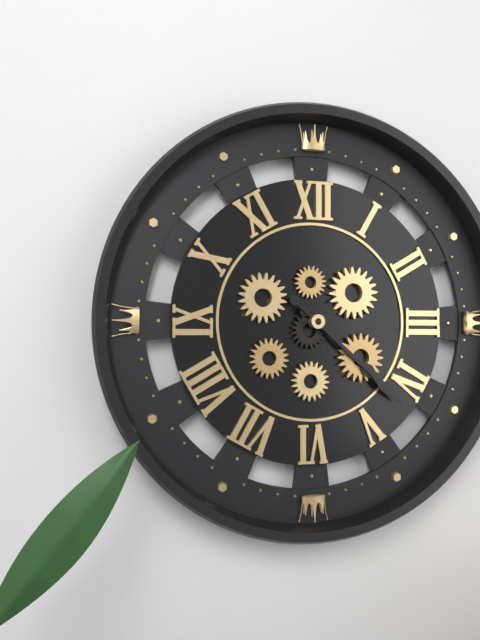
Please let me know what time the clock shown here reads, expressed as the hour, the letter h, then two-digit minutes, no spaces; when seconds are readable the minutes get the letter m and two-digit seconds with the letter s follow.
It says 4h22
